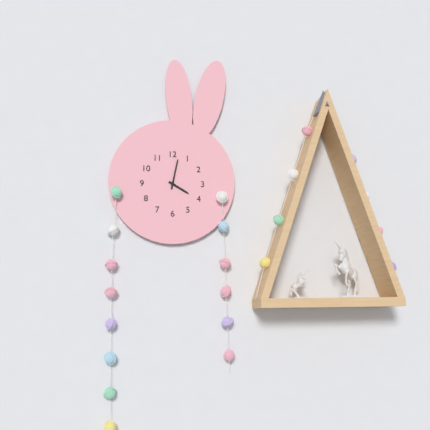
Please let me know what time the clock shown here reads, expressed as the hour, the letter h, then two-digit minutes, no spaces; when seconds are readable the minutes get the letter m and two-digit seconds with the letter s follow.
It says 4h02
